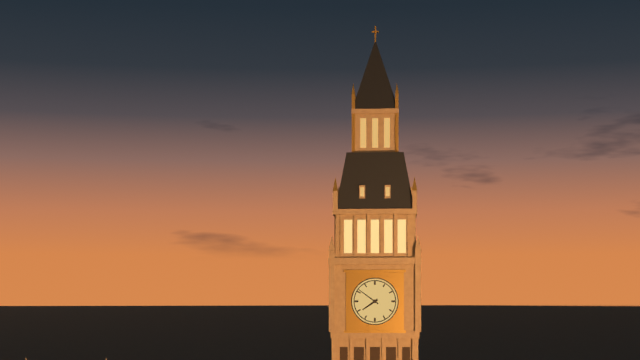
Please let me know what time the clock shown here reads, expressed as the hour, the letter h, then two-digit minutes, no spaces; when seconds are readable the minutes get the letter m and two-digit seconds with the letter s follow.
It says 7h51
